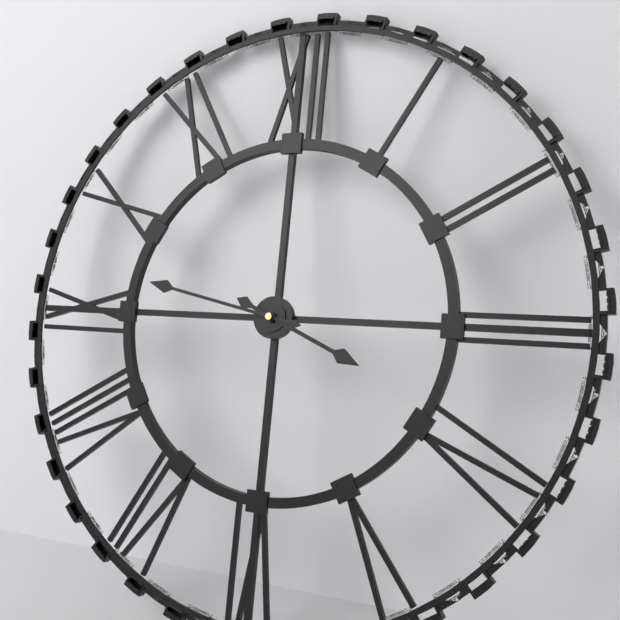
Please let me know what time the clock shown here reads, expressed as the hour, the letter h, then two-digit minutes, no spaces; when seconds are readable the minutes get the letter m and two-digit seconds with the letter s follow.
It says 3h47
